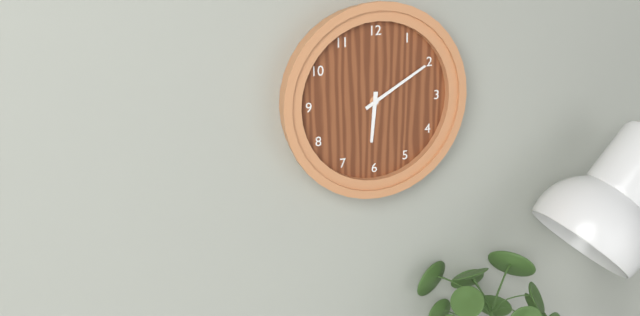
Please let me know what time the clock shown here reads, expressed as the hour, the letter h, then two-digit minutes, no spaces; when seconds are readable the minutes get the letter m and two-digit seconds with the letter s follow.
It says 6h10
